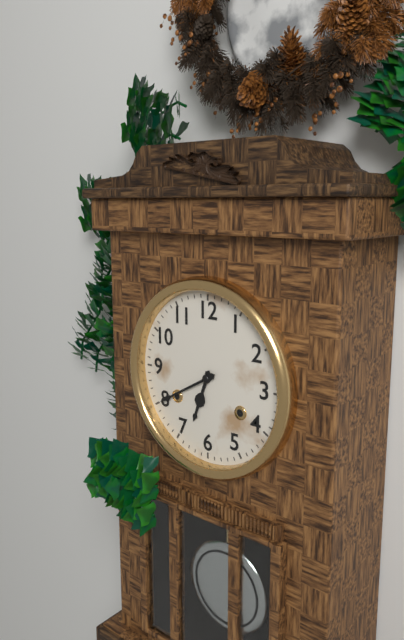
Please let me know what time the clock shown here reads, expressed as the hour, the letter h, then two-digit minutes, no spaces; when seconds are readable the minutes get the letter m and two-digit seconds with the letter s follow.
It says 6h40
